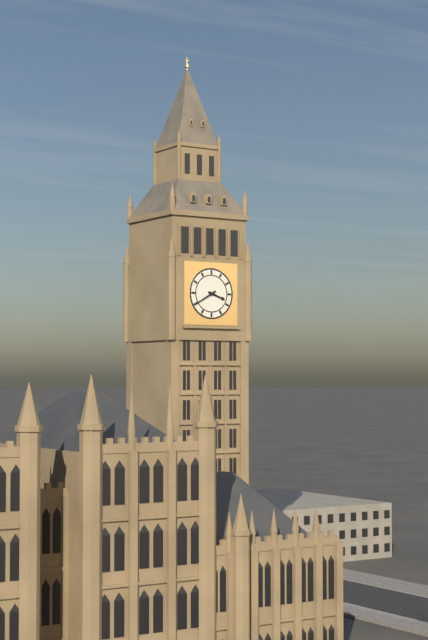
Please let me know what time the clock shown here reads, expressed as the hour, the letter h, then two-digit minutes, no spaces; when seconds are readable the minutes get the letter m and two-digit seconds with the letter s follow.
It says 3h40
